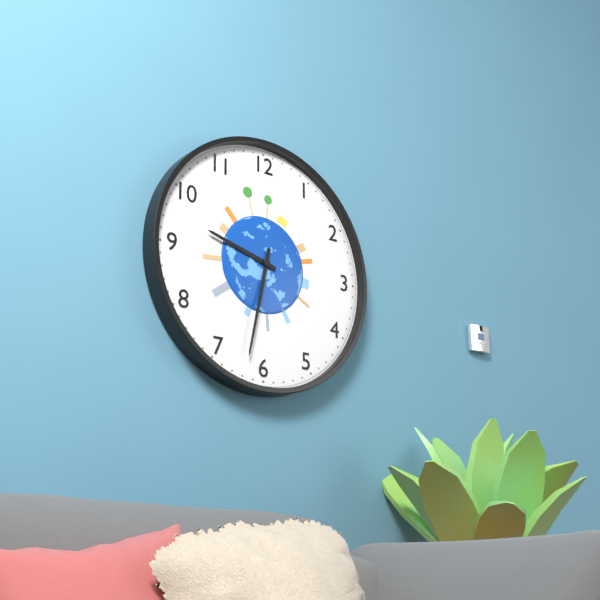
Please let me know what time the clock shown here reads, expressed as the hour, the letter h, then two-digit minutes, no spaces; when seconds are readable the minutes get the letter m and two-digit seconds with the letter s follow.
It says 9h32
